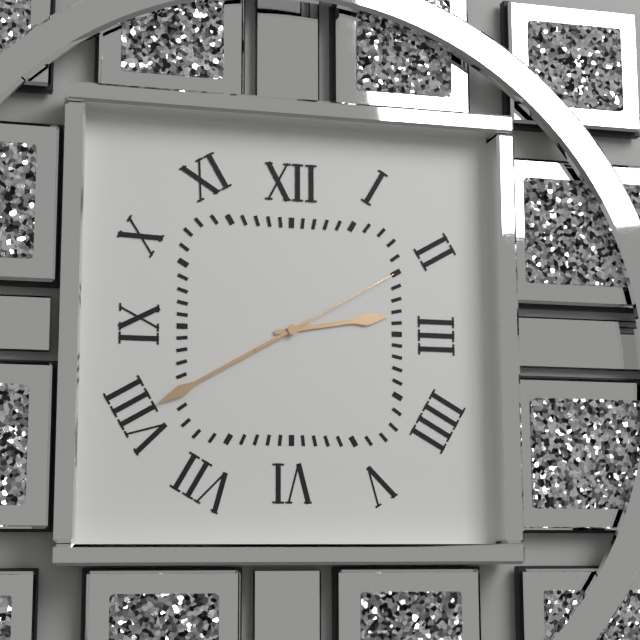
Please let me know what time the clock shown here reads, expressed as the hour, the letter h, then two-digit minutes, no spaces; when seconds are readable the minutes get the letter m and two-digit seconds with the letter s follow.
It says 2h40m10s
